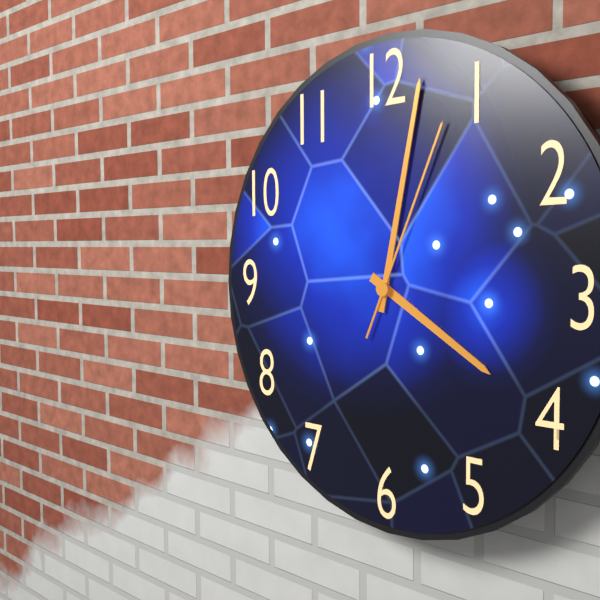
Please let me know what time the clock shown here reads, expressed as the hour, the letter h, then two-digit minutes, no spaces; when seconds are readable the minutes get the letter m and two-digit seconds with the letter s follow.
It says 4h02m04s
